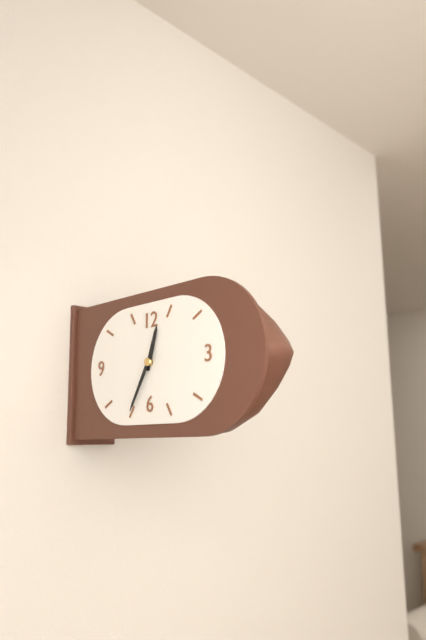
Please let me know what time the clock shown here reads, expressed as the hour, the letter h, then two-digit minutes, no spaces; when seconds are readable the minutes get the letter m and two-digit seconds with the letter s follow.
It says 12h35
